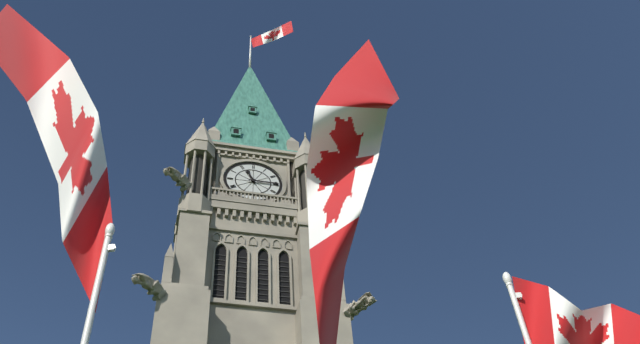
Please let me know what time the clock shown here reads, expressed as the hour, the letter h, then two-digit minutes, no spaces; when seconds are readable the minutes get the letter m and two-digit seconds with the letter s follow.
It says 11h15
